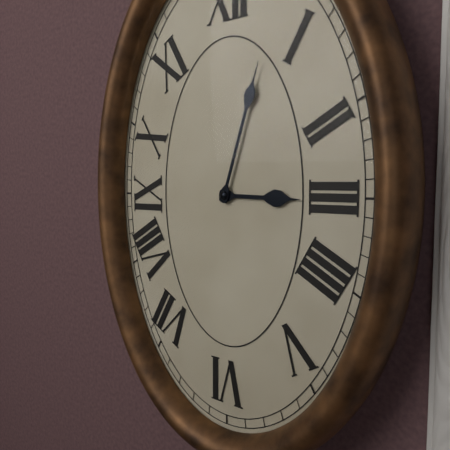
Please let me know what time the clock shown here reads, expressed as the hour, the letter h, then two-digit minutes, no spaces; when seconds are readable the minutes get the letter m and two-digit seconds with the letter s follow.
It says 3h03
